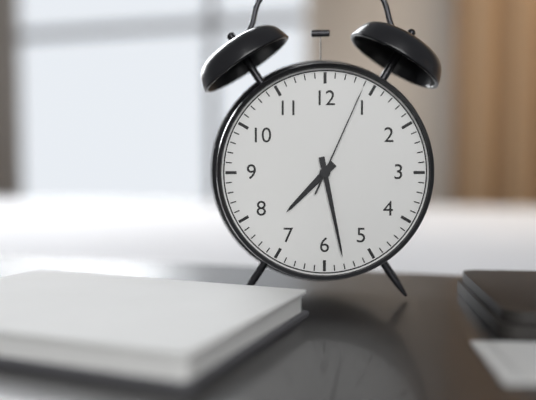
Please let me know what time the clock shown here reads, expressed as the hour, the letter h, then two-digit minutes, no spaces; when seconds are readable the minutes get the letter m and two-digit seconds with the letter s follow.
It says 7h28m04s
